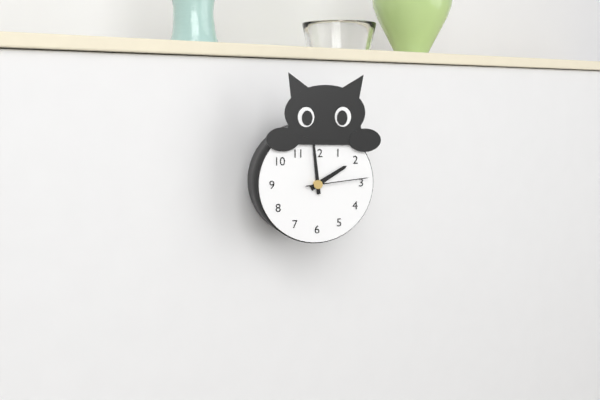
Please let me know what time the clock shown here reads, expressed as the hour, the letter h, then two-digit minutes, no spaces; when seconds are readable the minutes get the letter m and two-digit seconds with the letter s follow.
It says 1h59m14s
